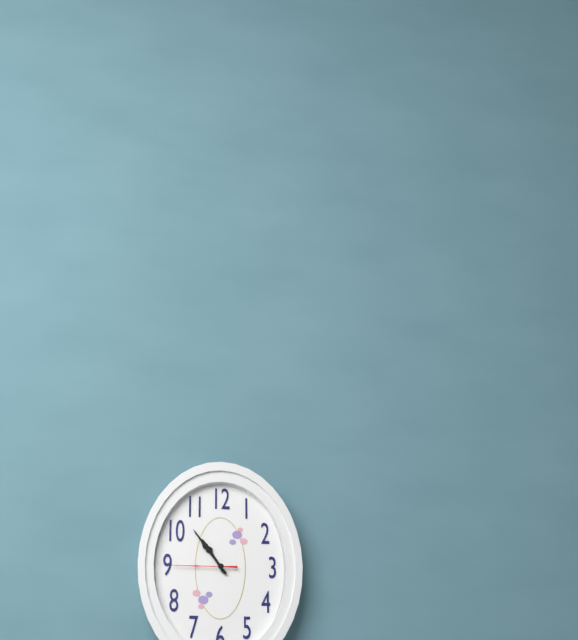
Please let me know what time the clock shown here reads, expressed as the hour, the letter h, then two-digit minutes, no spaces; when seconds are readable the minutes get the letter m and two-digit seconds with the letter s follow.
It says 10h54m45s
